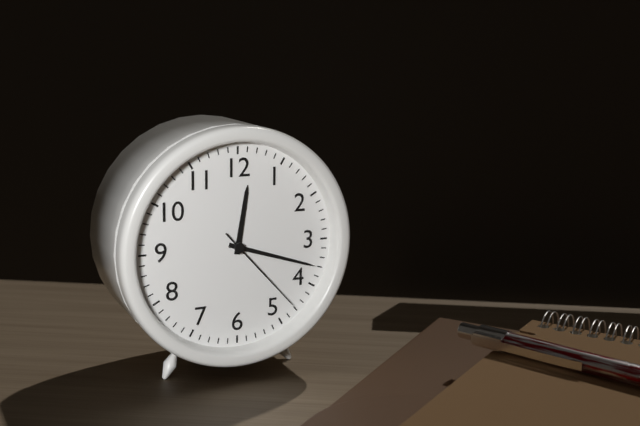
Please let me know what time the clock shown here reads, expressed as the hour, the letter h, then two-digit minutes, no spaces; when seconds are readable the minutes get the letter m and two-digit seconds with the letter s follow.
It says 12h18m23s
